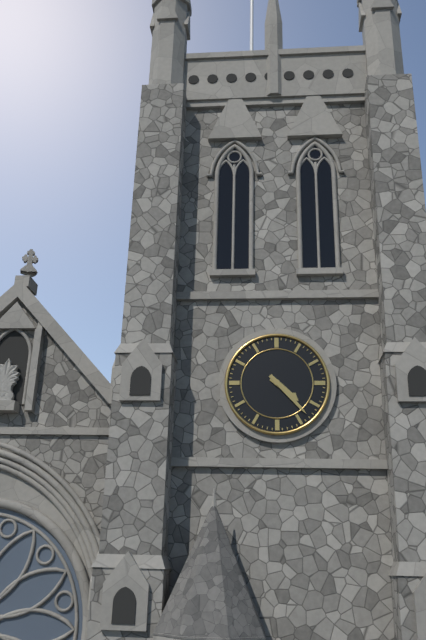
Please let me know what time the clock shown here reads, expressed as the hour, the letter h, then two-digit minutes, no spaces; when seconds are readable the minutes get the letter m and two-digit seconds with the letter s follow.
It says 4h23
